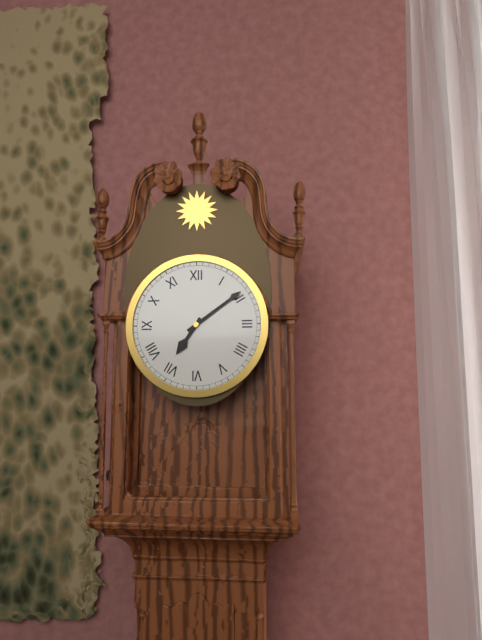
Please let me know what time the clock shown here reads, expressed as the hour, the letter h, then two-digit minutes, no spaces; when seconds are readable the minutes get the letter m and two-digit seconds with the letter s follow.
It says 7h09
